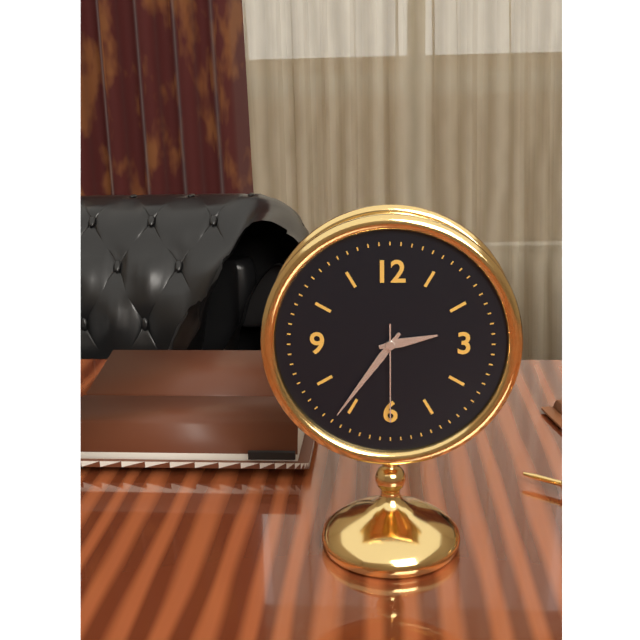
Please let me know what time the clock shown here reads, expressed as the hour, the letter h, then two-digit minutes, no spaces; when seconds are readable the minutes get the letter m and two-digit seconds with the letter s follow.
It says 2h36m30s
